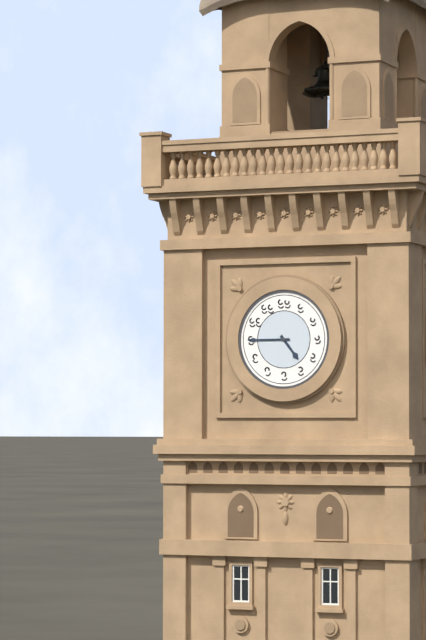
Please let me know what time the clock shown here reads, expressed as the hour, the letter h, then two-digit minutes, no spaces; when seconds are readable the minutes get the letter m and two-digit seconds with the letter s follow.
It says 4h45
